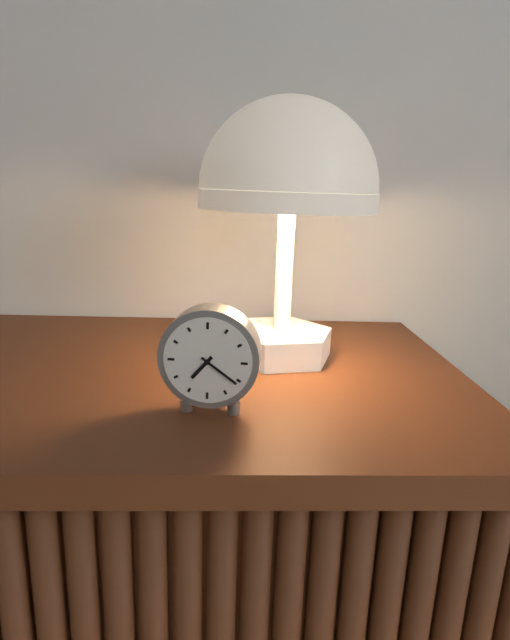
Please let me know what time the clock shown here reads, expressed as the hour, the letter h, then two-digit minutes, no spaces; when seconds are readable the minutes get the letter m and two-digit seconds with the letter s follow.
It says 7h21
